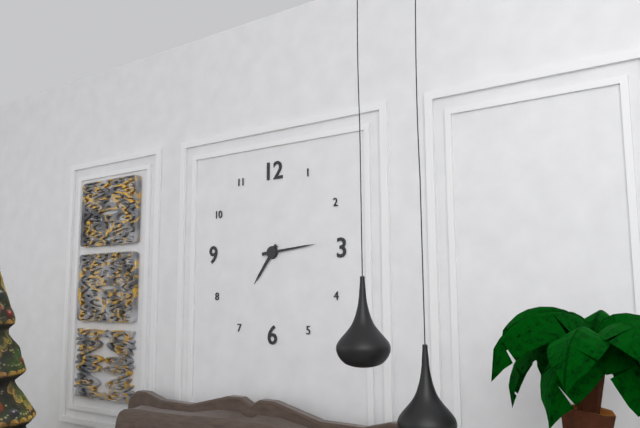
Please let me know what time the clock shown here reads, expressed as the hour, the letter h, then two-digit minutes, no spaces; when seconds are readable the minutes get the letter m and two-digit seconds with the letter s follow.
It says 7h14
